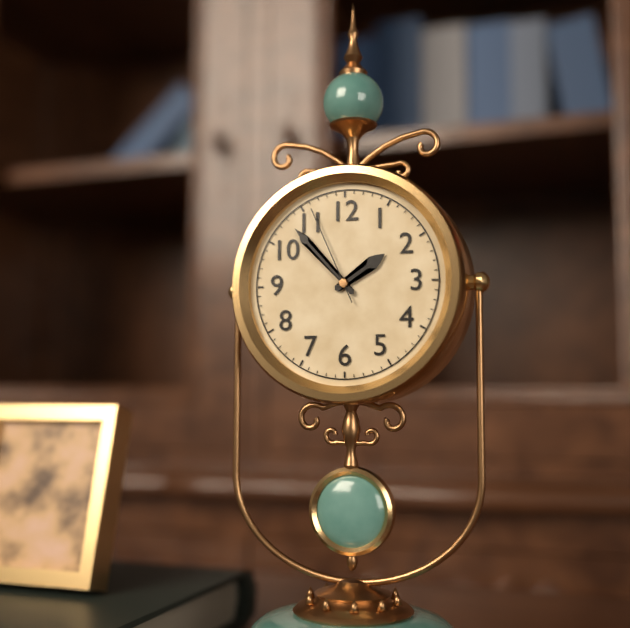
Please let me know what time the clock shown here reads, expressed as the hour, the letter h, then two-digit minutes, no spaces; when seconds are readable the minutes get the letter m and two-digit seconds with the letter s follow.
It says 1h53m56s
